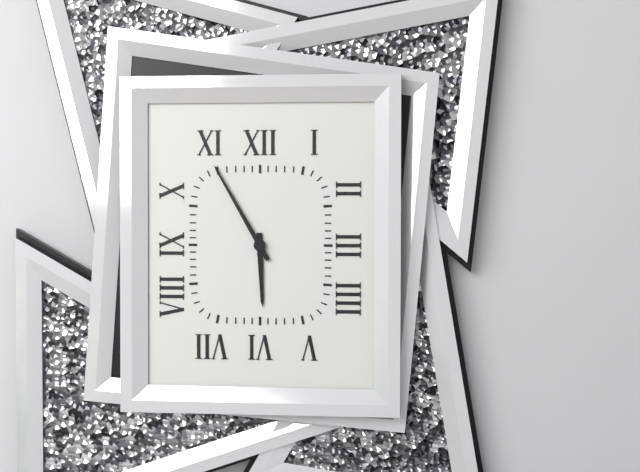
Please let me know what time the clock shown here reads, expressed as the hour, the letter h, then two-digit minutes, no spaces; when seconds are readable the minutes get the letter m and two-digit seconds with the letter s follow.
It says 5h55
